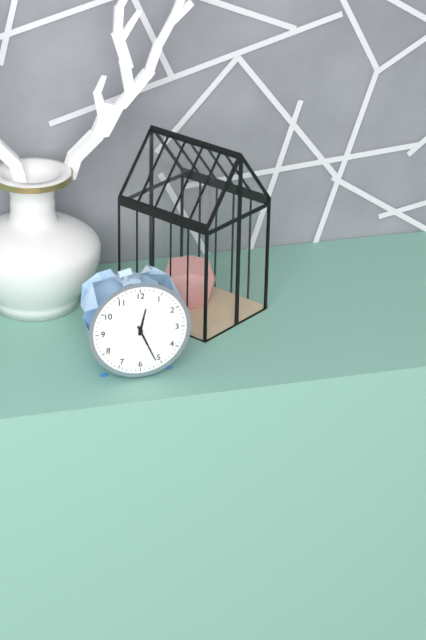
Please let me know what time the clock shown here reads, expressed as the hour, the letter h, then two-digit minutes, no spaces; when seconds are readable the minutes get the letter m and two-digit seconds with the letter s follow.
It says 12h26
